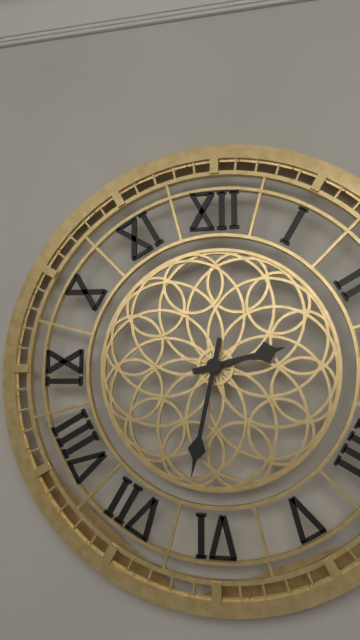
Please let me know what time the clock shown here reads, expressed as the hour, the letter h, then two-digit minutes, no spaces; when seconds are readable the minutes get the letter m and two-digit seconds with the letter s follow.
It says 2h32
